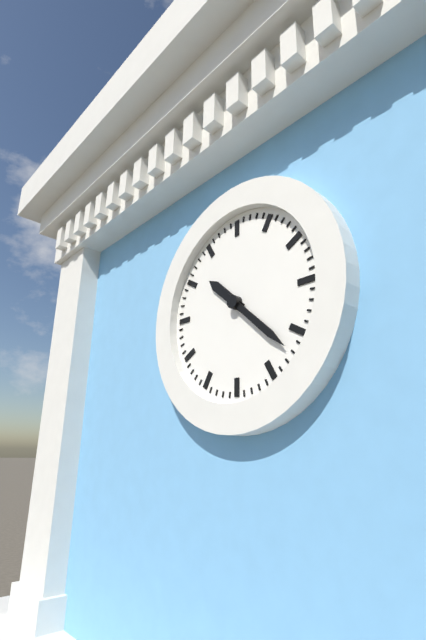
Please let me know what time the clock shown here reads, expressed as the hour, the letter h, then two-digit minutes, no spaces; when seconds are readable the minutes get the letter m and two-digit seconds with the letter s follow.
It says 10h22
